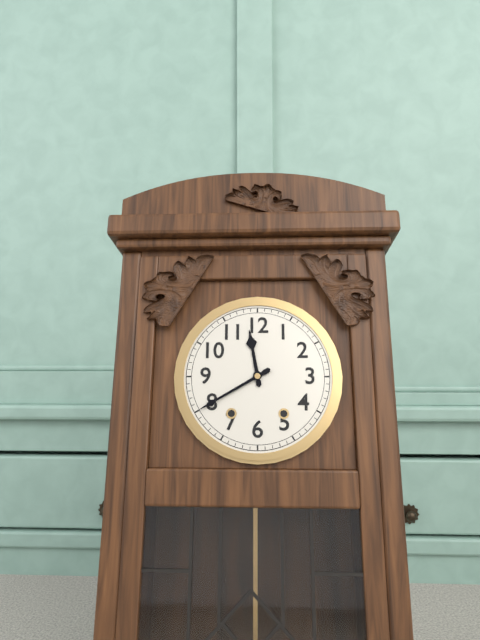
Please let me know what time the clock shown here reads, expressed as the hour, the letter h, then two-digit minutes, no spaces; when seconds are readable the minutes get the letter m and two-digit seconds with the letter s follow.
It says 11h40
